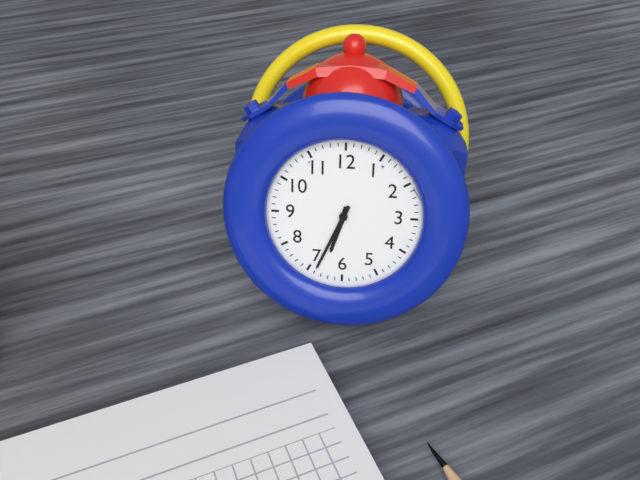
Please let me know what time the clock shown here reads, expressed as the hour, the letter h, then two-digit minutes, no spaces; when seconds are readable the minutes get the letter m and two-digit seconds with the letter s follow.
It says 6h34
